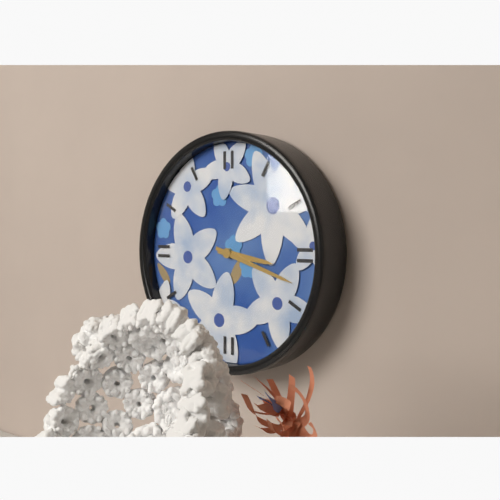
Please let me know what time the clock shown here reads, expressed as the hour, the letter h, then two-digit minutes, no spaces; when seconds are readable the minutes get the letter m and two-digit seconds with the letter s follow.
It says 3h18
